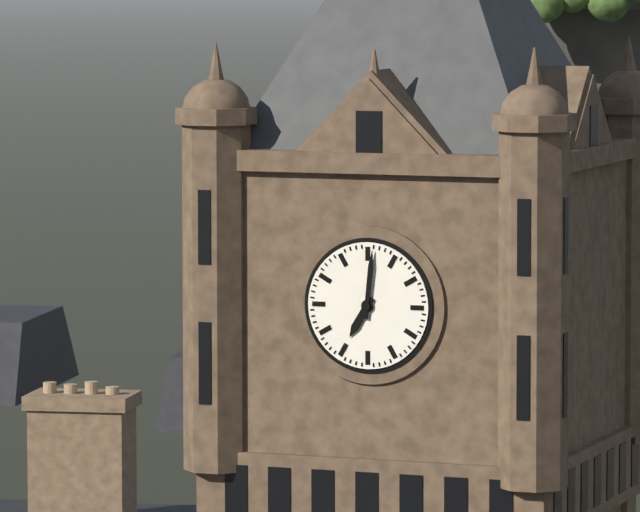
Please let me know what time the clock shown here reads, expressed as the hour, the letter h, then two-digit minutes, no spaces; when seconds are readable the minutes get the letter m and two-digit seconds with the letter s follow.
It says 7h01
